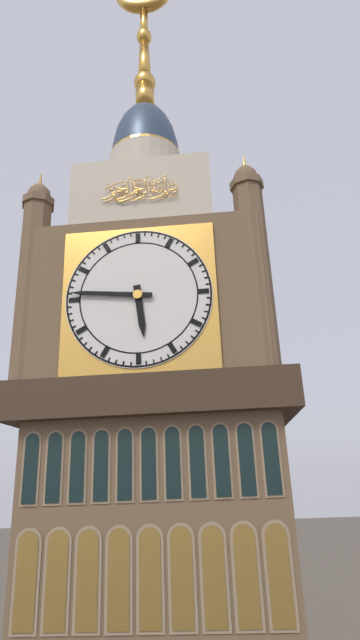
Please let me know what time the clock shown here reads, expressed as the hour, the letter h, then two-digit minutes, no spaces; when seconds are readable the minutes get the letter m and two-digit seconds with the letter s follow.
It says 5h46
